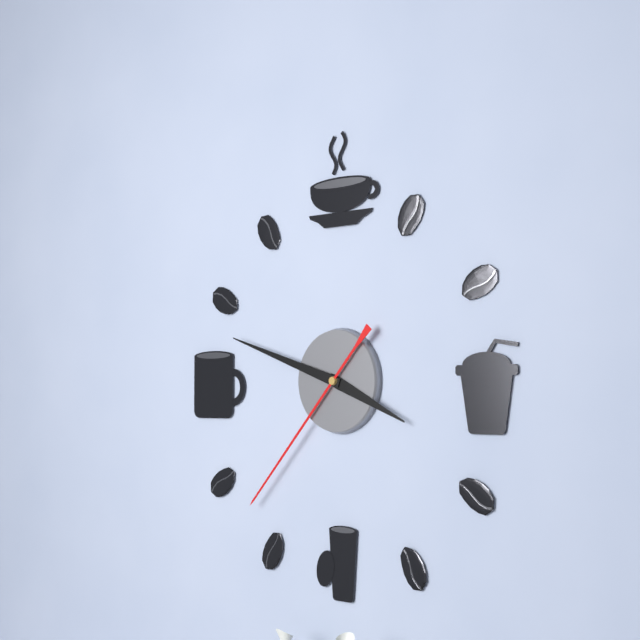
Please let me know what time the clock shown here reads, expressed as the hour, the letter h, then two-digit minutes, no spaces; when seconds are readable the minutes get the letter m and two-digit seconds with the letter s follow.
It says 3h48m37s
